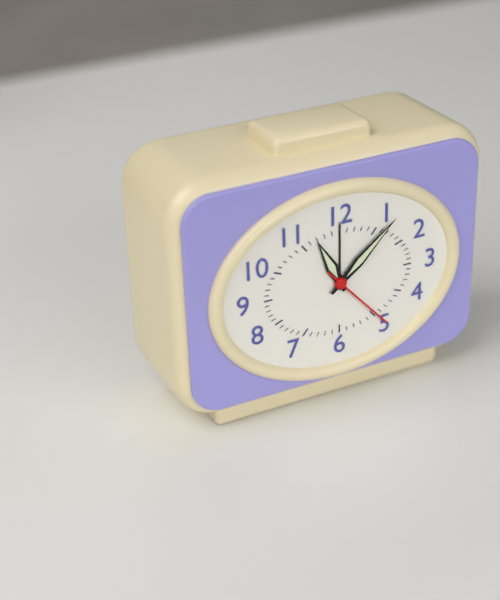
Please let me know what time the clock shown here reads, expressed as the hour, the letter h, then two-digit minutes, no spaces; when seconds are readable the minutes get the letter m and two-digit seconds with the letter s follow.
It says 11h08m23s
